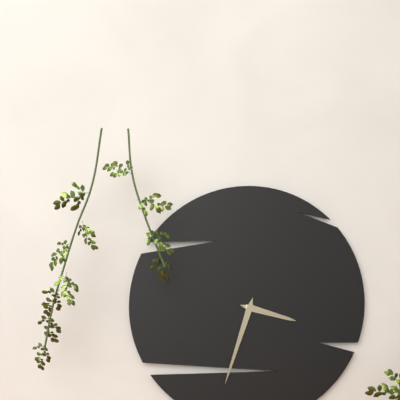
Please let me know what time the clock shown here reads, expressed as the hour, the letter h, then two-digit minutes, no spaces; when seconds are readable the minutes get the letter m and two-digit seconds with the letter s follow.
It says 3h33
